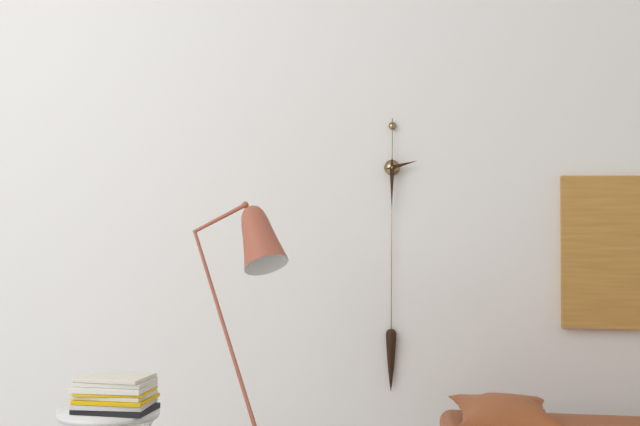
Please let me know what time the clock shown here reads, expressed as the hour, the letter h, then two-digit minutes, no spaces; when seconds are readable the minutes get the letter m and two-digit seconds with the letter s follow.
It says 2h30
